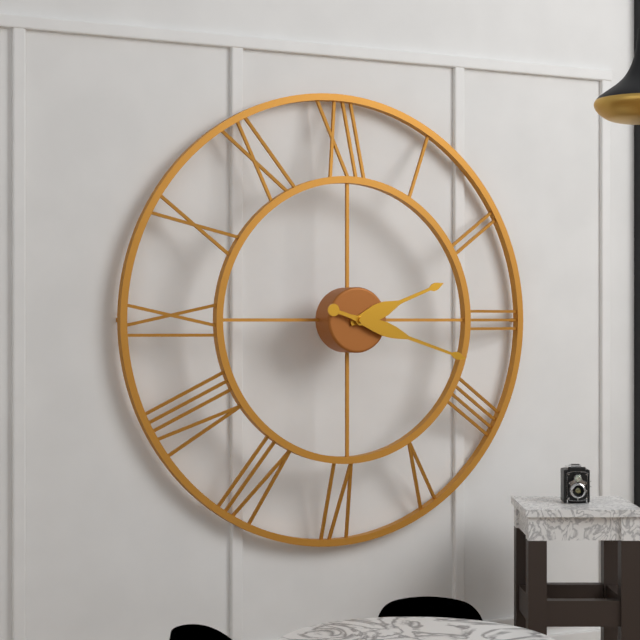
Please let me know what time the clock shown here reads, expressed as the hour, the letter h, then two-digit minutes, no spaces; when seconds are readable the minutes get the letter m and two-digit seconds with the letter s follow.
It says 2h18
